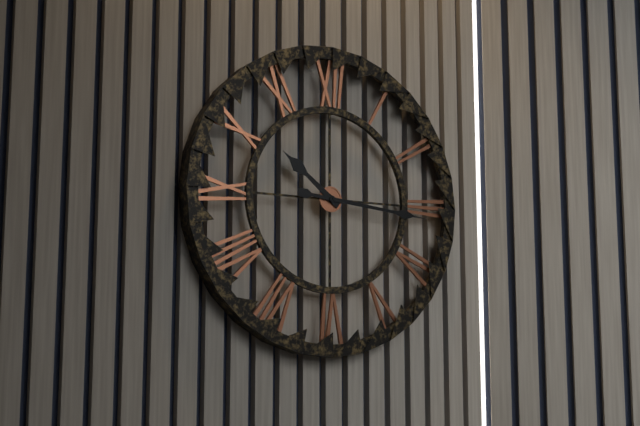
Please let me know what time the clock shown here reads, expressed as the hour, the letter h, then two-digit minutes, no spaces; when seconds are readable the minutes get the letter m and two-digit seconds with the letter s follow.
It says 10h16
